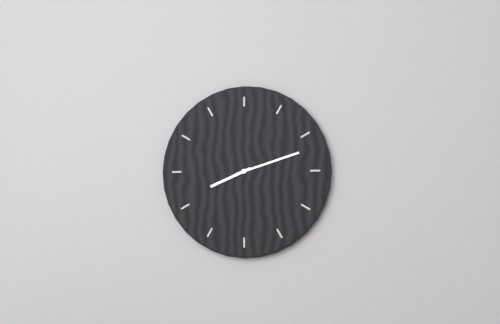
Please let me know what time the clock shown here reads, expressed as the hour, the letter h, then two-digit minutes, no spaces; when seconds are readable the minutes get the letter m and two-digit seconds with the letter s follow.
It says 8h12
